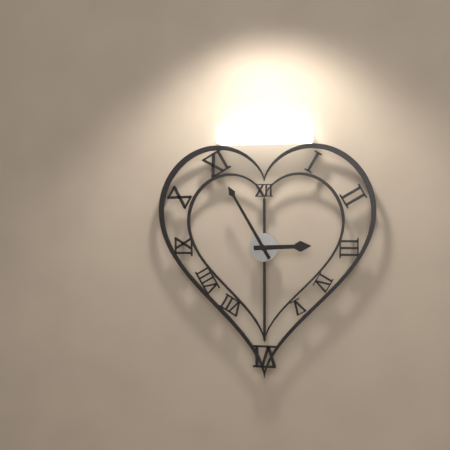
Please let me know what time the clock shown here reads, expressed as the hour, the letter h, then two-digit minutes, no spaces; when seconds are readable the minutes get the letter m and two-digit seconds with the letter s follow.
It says 2h55
